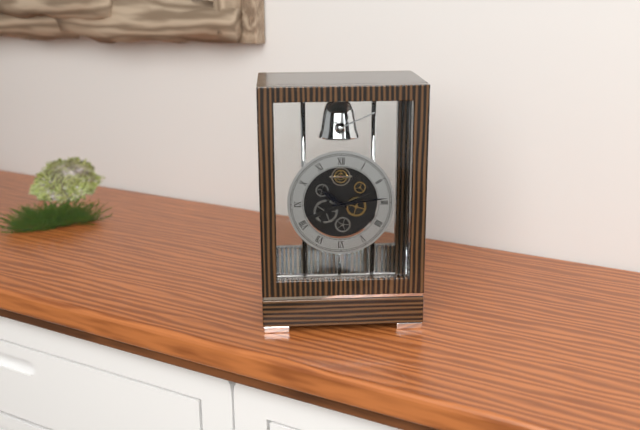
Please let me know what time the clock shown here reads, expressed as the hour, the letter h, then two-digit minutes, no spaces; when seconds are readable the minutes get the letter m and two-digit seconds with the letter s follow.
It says 10h14
